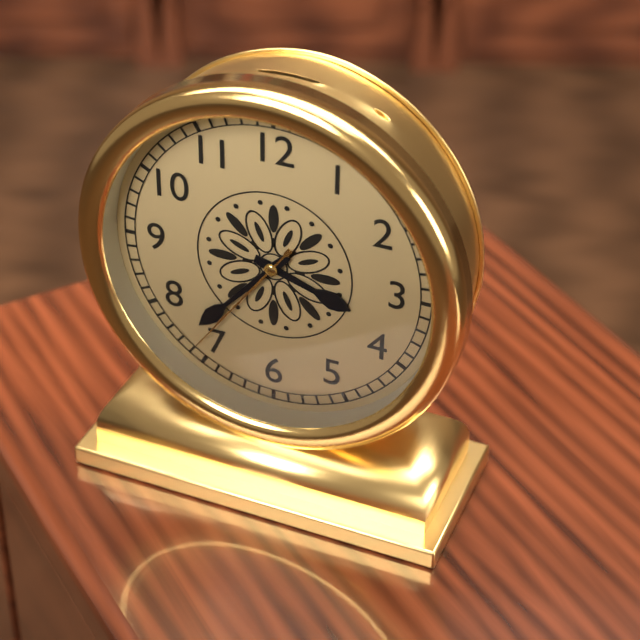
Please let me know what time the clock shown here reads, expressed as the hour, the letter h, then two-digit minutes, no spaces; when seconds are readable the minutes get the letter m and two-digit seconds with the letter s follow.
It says 3h37m36s
